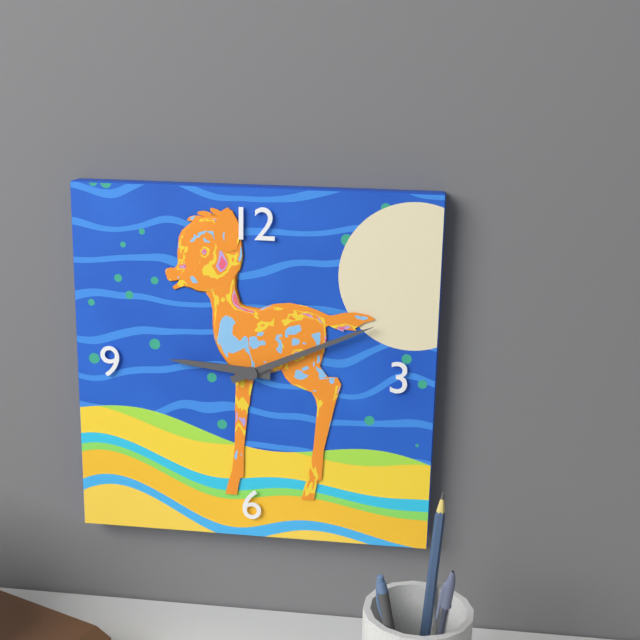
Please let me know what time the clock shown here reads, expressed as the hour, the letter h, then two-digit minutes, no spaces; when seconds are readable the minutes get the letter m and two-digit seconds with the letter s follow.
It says 9h11
